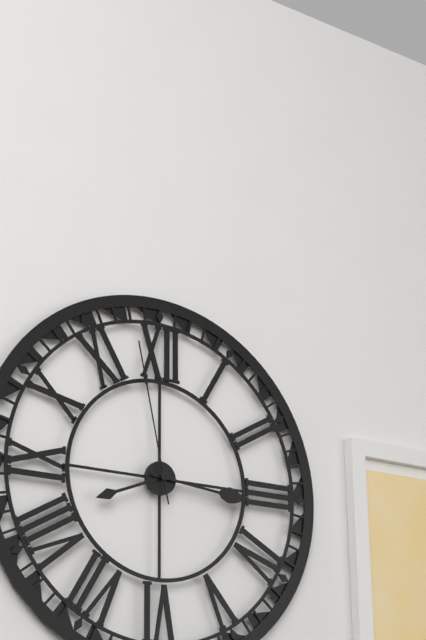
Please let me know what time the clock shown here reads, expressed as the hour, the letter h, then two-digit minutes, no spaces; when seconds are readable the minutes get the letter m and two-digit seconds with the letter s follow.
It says 8h16m58s
